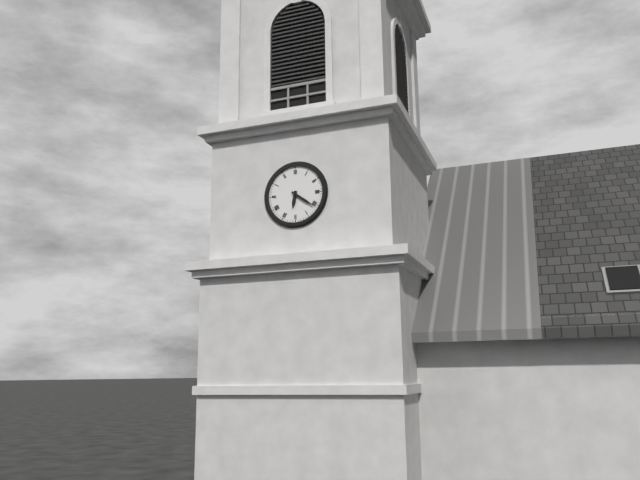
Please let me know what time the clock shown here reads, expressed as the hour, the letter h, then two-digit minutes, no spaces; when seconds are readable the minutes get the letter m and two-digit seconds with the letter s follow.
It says 6h21
